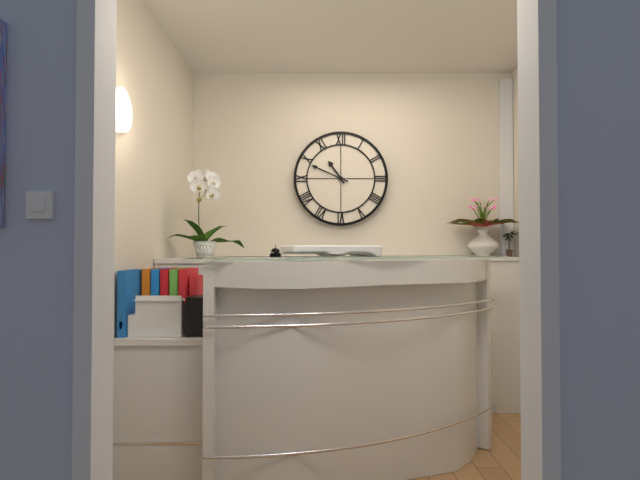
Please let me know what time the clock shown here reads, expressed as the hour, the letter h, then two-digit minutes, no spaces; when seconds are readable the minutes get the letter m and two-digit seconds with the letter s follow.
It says 10h49
